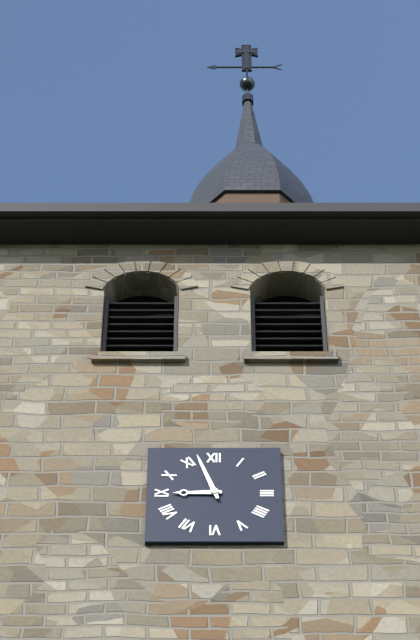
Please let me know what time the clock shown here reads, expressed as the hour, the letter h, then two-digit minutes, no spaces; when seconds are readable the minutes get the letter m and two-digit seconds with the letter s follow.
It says 8h57
